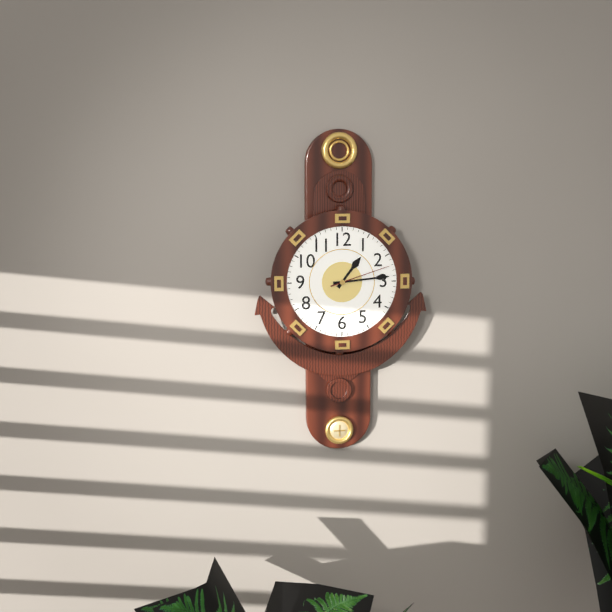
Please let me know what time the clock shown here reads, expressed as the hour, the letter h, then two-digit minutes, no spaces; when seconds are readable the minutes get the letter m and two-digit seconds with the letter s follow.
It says 1h14m12s
